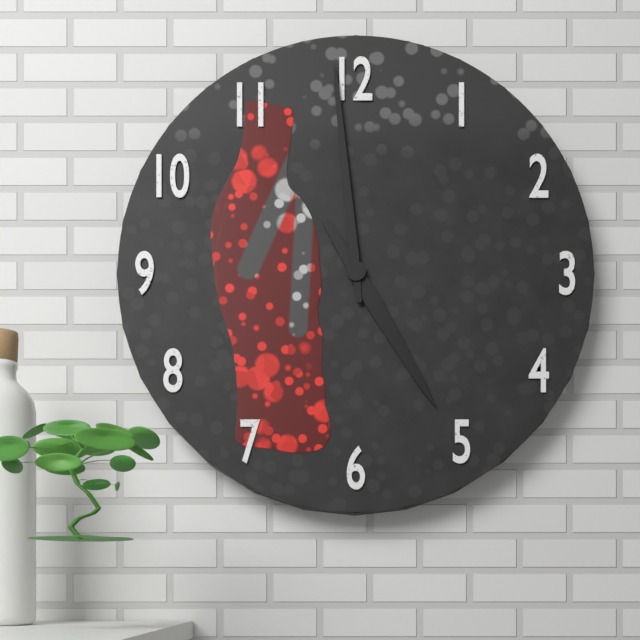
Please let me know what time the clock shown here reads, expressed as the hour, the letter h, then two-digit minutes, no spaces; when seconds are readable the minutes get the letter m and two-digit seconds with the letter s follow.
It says 4h59
